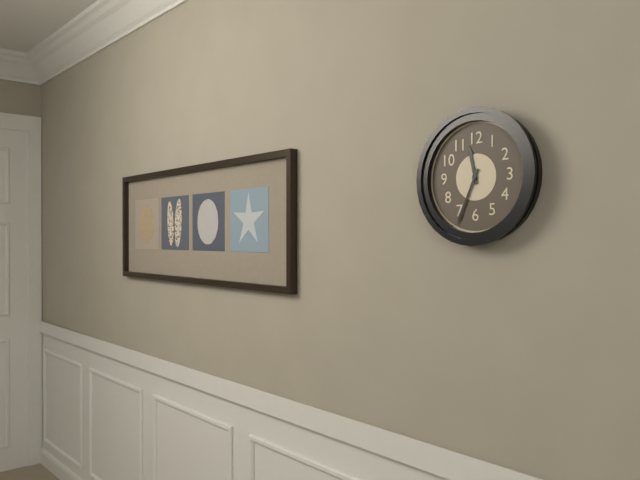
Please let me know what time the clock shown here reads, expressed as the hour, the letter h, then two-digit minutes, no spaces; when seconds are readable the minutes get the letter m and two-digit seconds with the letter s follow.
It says 11h34
